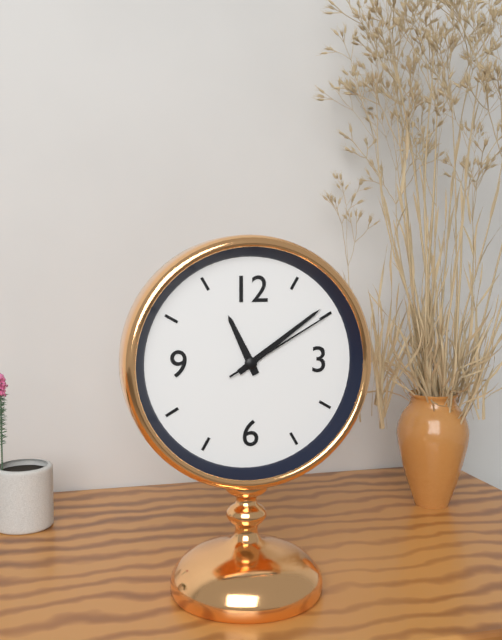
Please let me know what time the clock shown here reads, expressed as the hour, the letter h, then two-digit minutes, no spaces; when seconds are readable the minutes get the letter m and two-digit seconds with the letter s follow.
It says 11h09m10s
